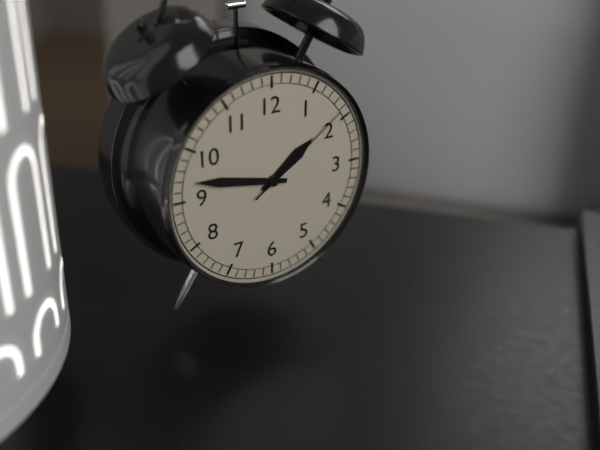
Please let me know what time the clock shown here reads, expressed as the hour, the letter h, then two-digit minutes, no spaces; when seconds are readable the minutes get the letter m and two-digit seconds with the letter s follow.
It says 1h47m09s
